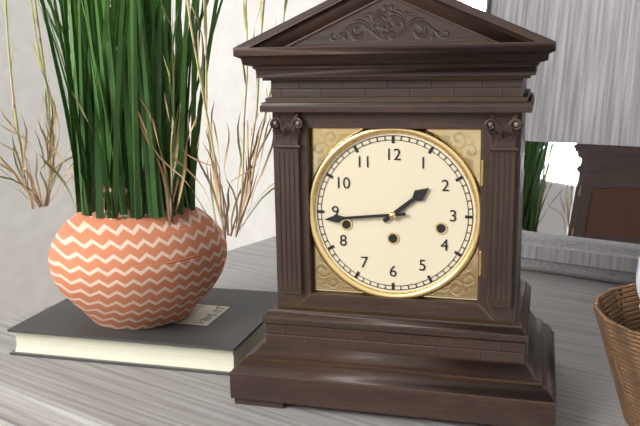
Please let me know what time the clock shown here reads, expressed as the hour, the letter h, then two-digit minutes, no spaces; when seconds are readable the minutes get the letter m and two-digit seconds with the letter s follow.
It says 1h44
